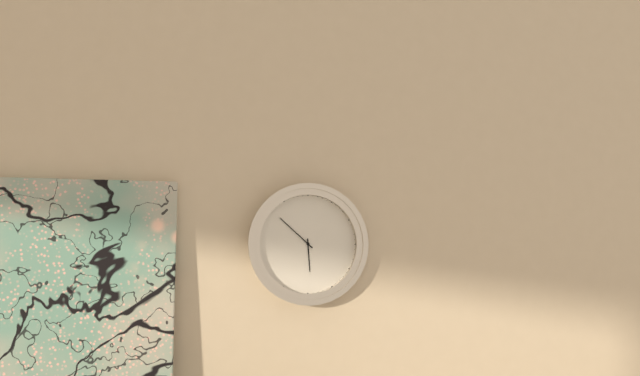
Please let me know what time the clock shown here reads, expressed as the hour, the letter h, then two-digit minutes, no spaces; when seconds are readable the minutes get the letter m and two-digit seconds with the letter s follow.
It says 5h52
